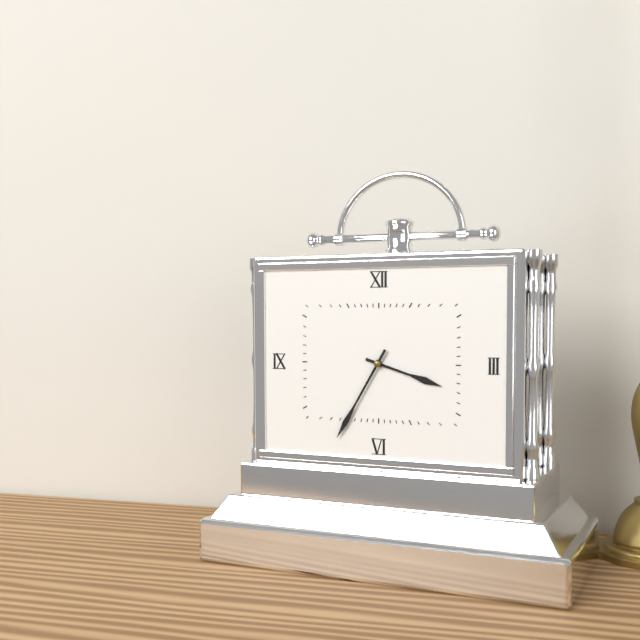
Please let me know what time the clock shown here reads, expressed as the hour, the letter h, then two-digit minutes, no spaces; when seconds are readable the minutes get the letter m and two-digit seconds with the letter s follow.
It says 3h35
